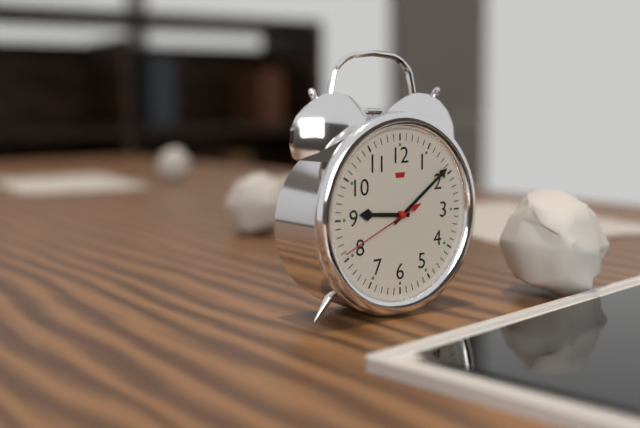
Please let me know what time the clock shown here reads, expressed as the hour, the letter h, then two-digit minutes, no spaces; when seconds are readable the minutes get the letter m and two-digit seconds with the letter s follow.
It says 9h09m41s
